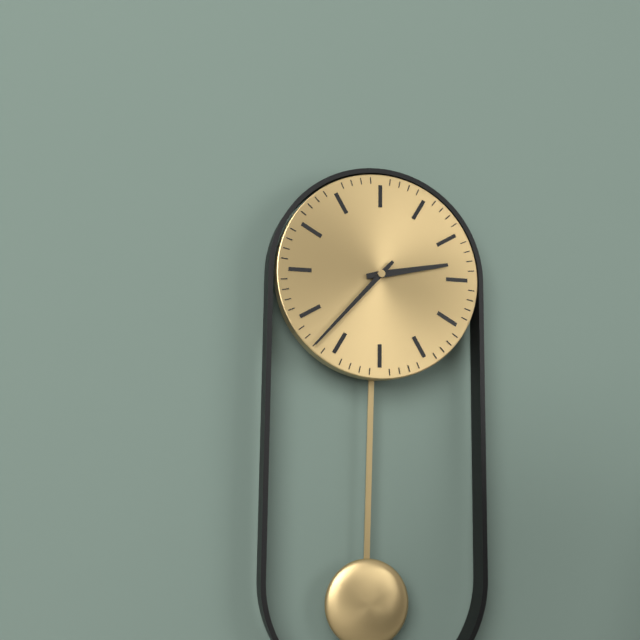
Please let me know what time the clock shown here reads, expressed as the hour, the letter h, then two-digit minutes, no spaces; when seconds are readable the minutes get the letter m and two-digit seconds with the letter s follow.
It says 2h37
